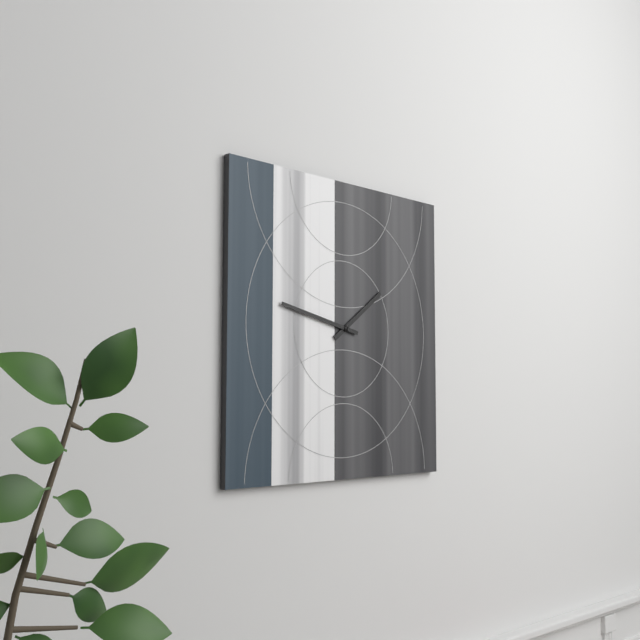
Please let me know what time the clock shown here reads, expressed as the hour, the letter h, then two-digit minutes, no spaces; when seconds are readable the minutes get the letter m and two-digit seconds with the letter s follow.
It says 1h47
